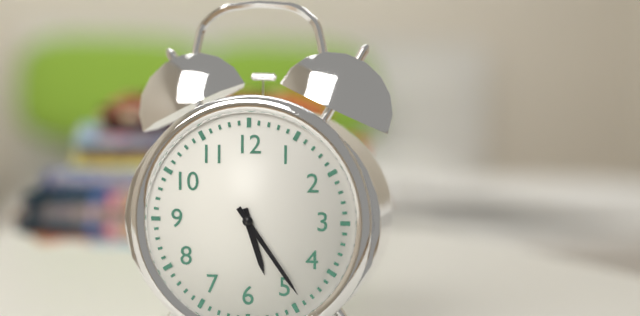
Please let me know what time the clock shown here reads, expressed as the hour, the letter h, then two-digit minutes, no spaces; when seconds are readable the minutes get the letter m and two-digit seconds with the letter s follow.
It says 5h24
